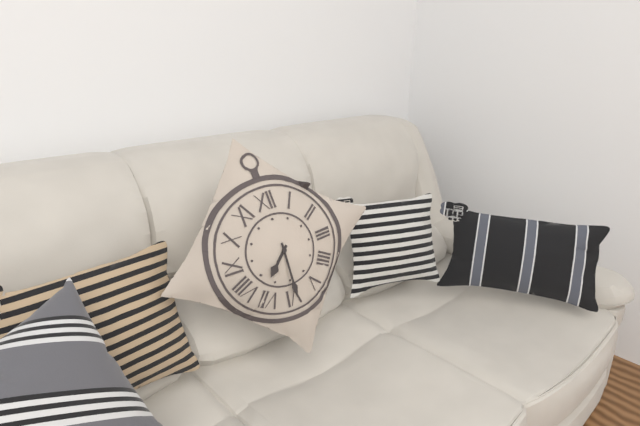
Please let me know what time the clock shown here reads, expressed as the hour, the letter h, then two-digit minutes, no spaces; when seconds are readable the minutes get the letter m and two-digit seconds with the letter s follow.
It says 7h30
